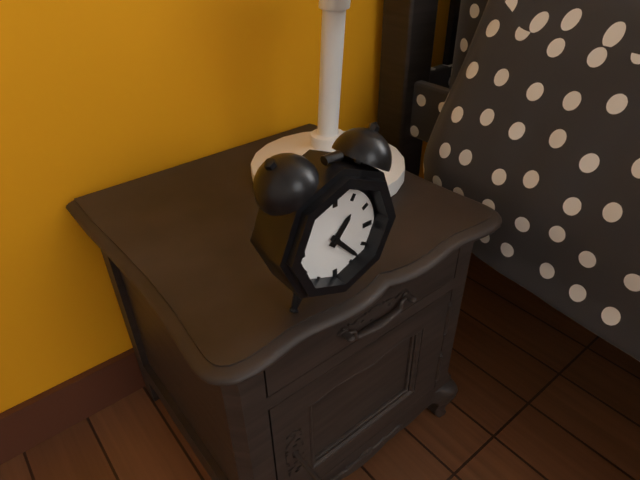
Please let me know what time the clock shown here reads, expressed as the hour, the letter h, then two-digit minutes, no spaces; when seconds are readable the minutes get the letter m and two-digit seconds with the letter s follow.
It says 1h23
